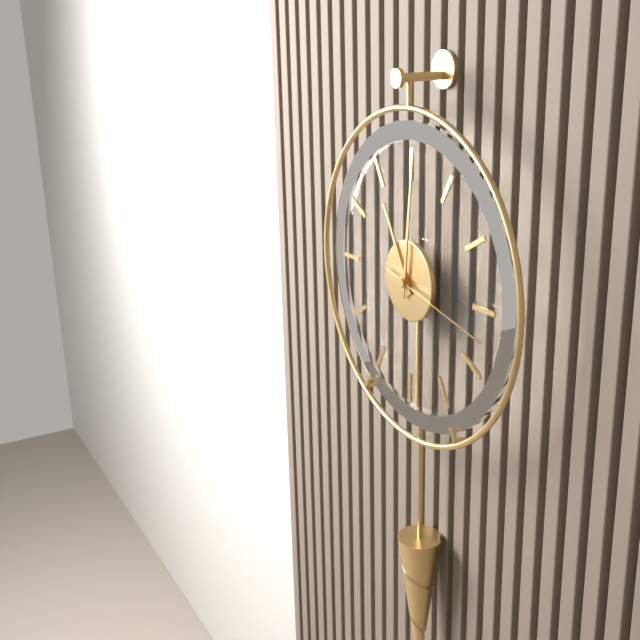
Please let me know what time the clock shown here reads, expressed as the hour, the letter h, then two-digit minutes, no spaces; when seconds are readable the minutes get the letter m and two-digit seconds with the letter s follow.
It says 11h01m17s
